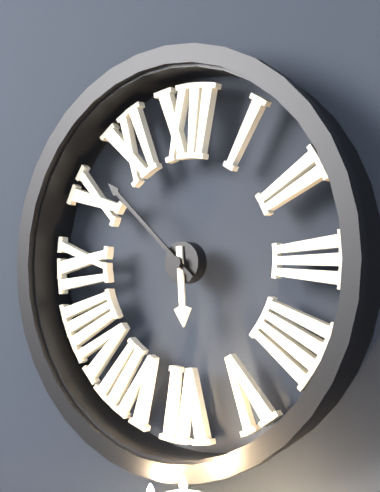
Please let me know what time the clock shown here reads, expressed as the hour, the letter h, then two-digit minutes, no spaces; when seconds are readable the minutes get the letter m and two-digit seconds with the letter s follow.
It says 5h52
